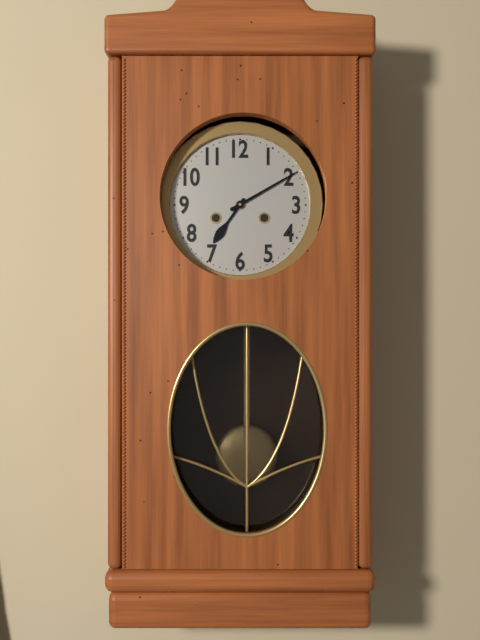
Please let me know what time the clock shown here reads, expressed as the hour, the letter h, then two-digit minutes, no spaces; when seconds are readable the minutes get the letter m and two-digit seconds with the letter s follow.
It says 7h10
